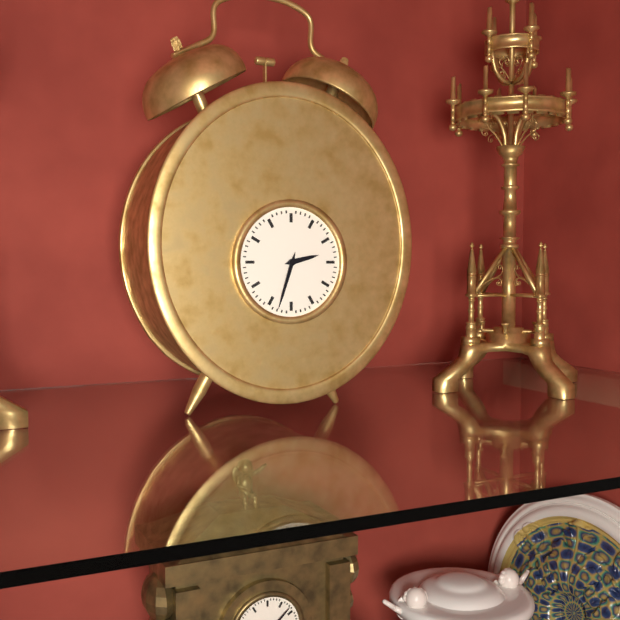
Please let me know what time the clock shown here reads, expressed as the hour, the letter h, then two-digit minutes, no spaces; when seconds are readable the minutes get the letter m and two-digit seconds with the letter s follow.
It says 2h33
